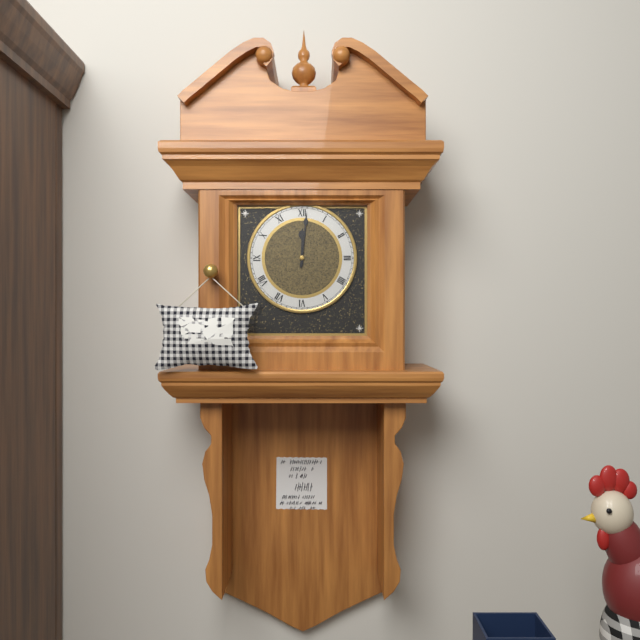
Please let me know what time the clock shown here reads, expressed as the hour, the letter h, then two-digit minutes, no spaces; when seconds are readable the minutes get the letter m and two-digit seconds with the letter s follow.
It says 12h01
